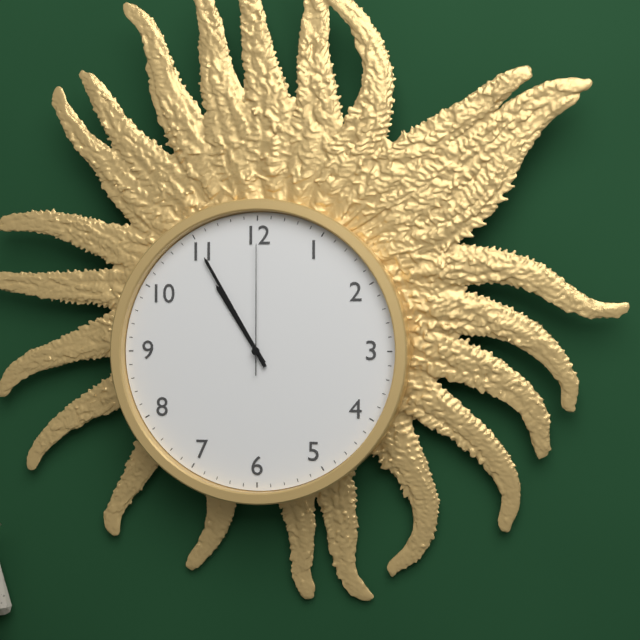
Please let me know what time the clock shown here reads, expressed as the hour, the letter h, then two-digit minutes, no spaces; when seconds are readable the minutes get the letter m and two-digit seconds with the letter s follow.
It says 10h55m00s
